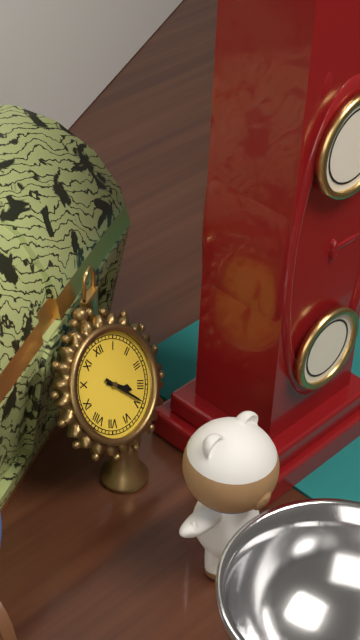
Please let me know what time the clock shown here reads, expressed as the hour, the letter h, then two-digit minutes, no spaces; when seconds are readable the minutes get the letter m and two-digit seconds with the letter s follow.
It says 4h24
